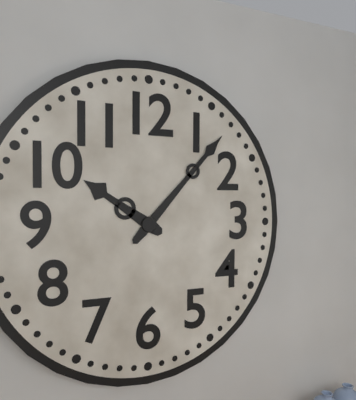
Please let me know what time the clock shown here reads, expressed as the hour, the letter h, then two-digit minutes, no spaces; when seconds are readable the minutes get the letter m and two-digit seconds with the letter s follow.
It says 10h07
